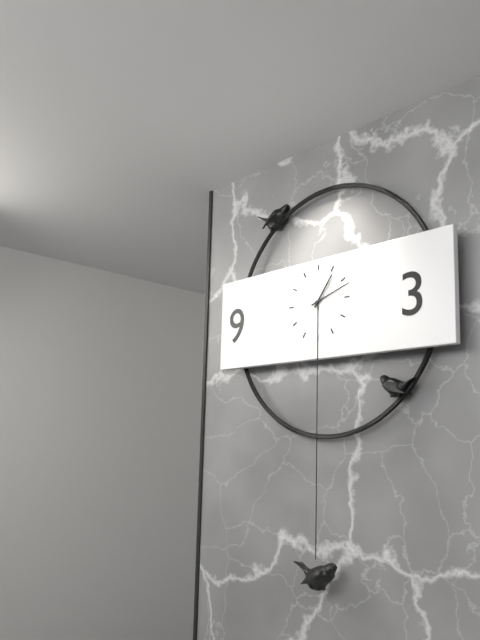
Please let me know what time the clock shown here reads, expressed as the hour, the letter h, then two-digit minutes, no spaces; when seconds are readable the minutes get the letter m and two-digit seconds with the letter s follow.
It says 1h12
